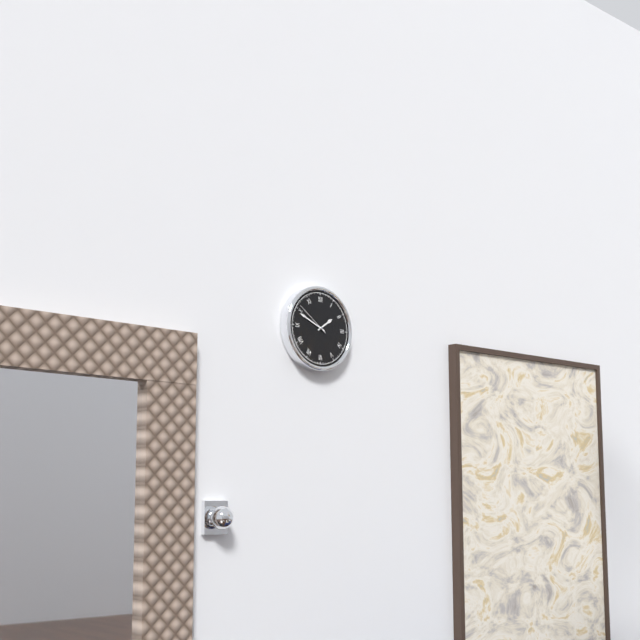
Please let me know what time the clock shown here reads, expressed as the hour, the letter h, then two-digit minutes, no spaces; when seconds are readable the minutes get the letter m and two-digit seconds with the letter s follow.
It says 1h49
